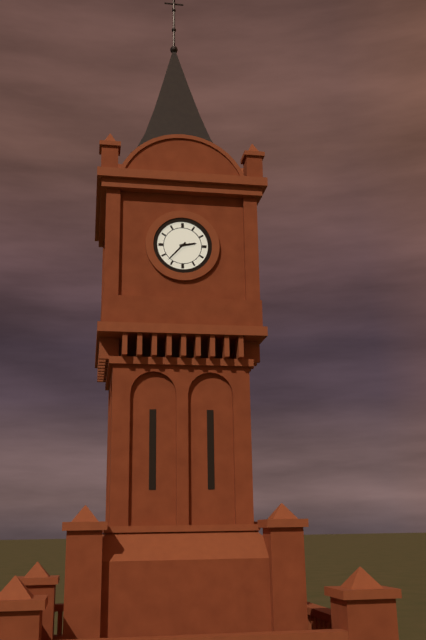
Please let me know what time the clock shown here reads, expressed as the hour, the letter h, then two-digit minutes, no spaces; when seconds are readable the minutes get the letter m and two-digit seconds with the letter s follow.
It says 2h37
